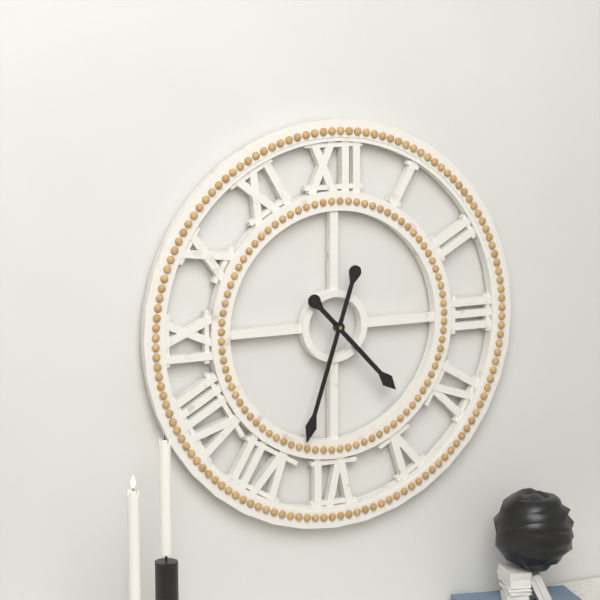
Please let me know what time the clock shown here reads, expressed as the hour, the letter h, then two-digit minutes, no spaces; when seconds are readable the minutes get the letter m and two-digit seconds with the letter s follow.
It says 4h33
